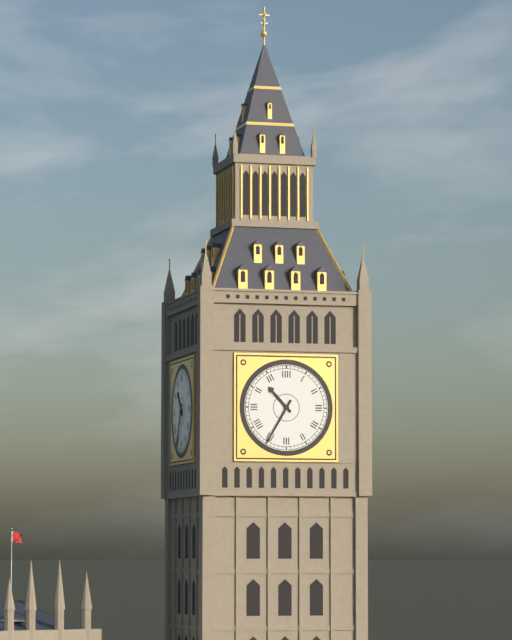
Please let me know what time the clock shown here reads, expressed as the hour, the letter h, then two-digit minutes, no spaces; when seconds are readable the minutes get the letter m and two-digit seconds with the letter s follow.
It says 10h35
